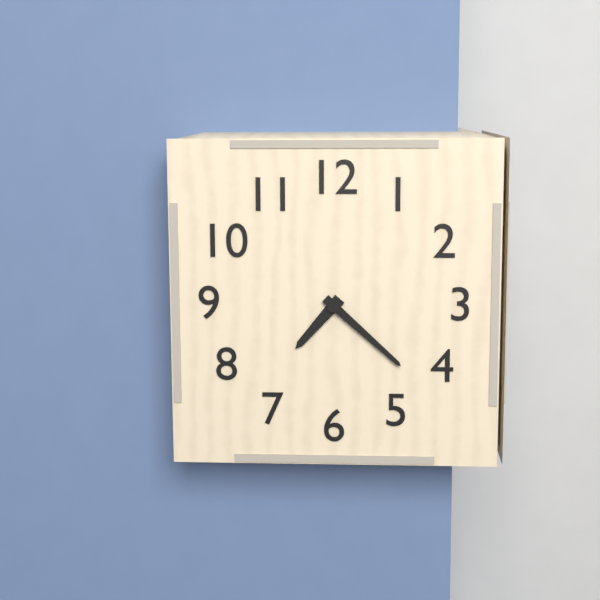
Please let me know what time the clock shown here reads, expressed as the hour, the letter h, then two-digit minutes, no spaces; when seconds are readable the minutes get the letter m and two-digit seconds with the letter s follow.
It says 7h22
